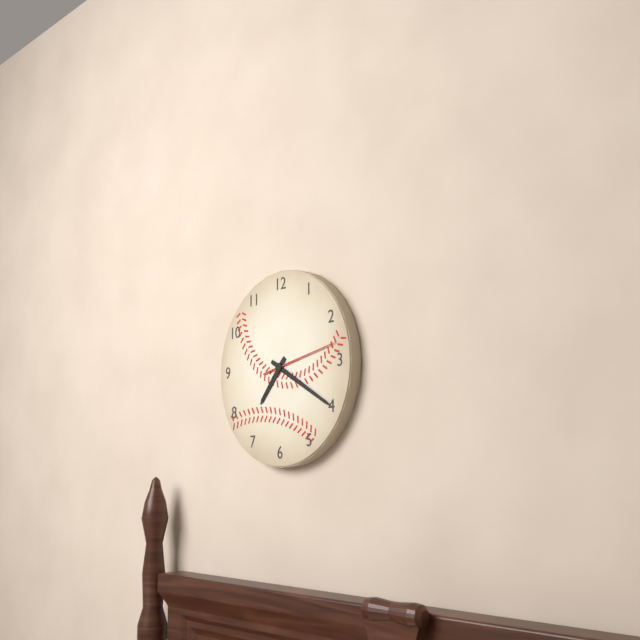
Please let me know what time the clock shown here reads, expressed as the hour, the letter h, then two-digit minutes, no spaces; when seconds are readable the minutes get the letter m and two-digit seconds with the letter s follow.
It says 7h20m13s
